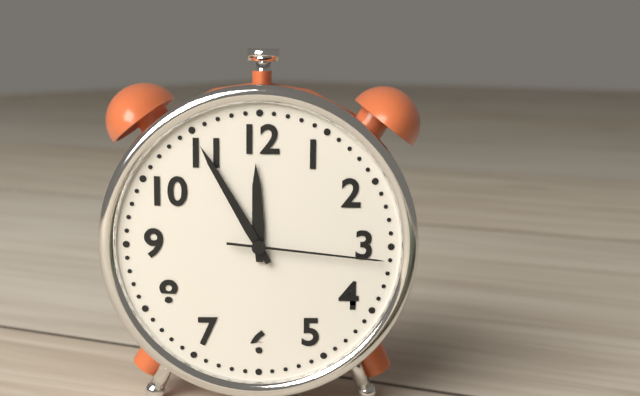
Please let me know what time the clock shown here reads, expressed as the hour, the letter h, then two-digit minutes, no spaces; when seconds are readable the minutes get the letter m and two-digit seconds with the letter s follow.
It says 11h55m16s
